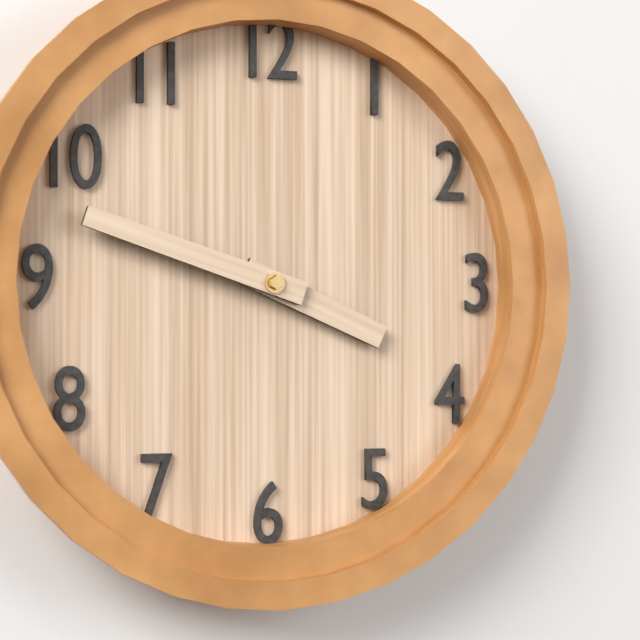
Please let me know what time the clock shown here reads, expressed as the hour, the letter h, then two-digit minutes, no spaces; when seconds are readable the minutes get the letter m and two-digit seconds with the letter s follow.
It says 3h48
